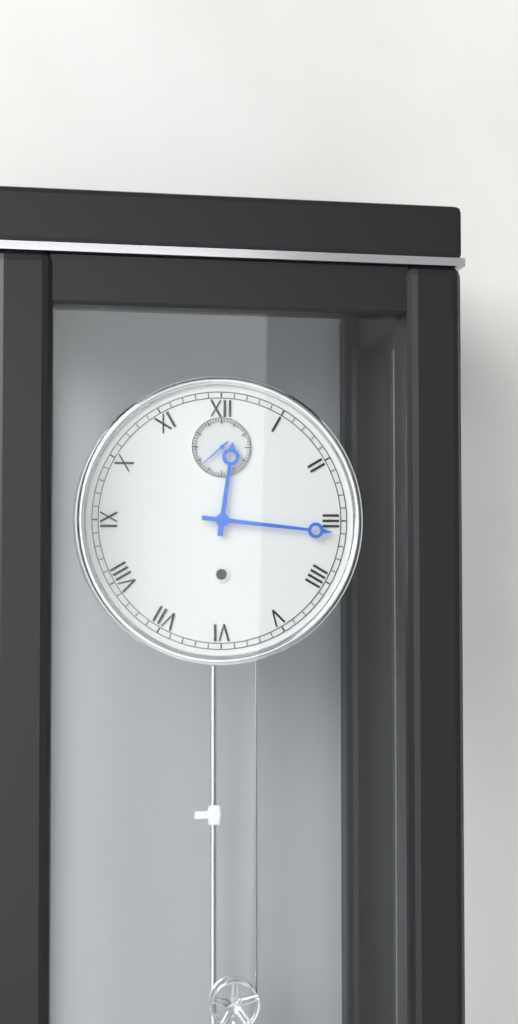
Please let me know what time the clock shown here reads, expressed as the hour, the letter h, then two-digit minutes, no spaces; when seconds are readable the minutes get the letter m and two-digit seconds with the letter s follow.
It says 12h16
